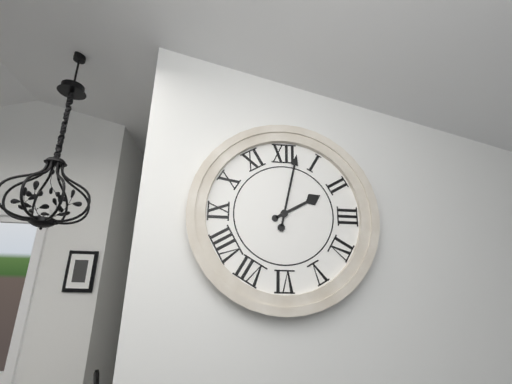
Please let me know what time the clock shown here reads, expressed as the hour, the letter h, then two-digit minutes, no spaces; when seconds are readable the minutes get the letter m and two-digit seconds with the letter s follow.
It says 2h02
